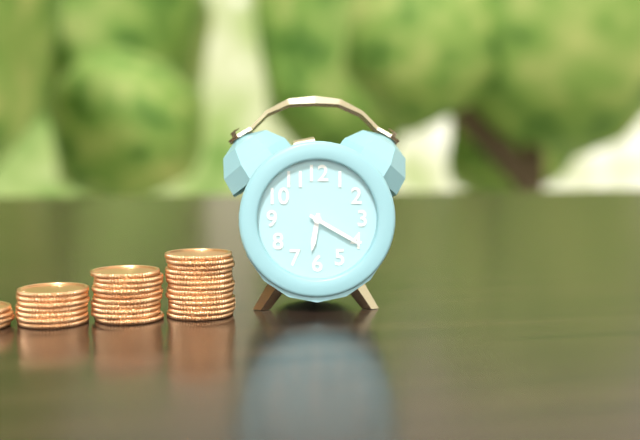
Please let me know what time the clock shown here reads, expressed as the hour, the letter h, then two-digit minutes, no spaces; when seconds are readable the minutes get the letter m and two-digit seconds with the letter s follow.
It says 6h20
